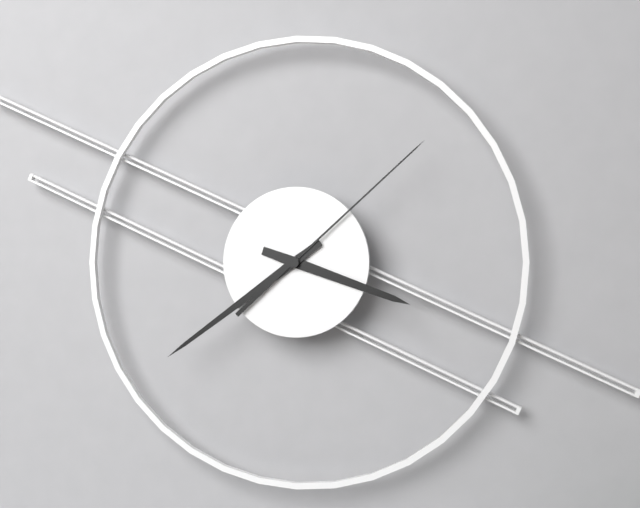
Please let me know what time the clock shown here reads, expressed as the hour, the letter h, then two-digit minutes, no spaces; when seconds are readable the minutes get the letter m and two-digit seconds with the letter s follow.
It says 3h39m08s
